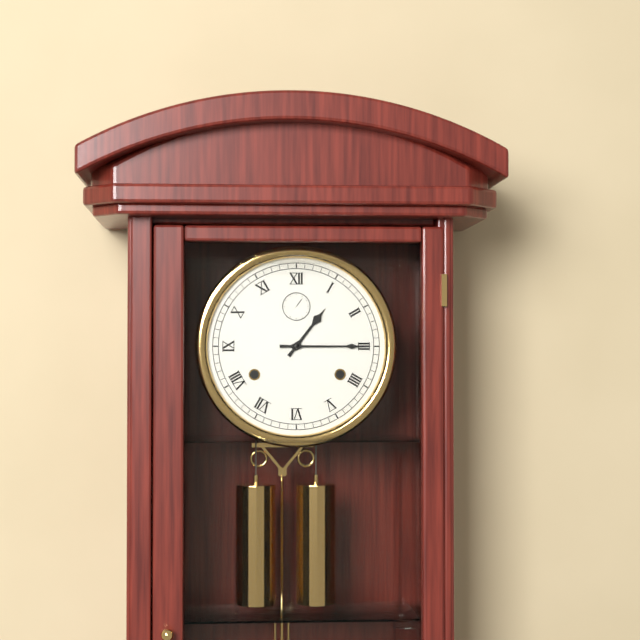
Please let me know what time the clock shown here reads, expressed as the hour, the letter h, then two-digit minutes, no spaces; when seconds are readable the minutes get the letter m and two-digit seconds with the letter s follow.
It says 1h15
